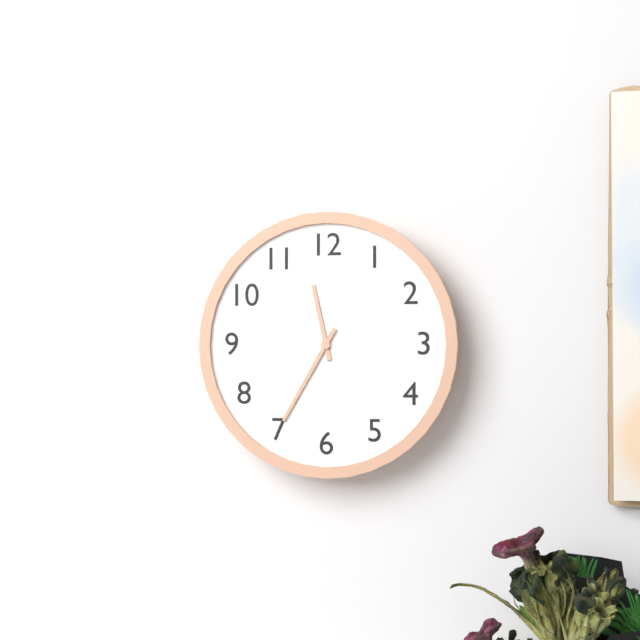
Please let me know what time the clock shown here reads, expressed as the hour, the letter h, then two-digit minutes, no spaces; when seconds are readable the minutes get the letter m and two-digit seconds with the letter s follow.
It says 11h35
